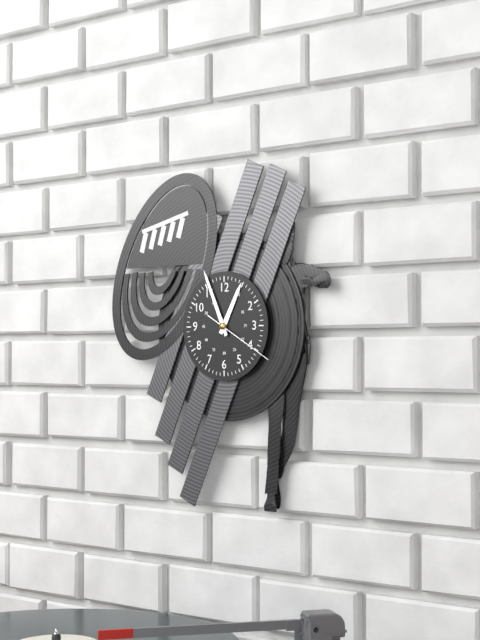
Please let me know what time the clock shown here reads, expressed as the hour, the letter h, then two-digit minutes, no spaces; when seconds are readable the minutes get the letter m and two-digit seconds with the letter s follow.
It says 12h56m20s
